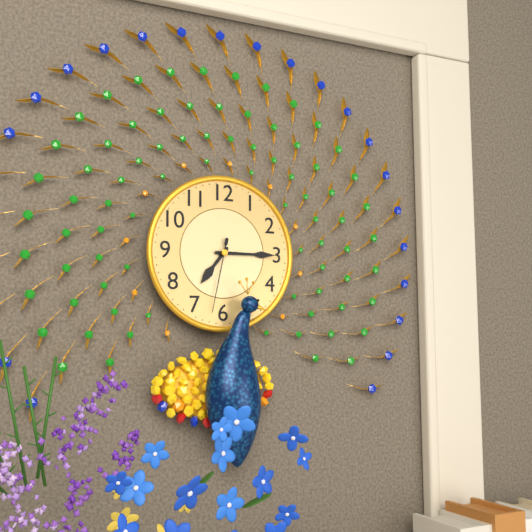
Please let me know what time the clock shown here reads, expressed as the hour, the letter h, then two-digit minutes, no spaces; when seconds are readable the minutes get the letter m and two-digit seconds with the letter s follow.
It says 7h15m32s
